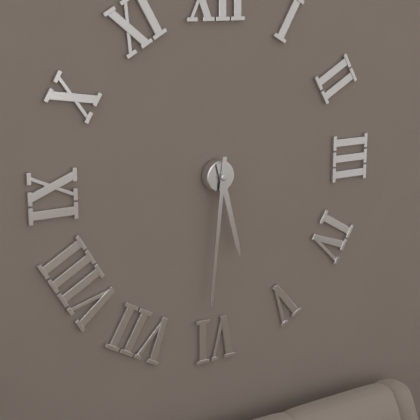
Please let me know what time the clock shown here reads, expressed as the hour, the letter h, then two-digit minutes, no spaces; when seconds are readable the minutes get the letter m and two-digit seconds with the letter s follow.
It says 5h31
